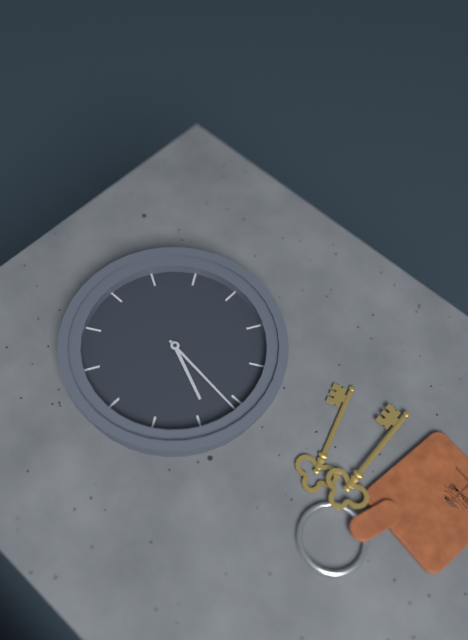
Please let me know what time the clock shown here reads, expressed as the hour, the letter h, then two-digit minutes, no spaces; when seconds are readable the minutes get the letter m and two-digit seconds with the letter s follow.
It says 9h46
